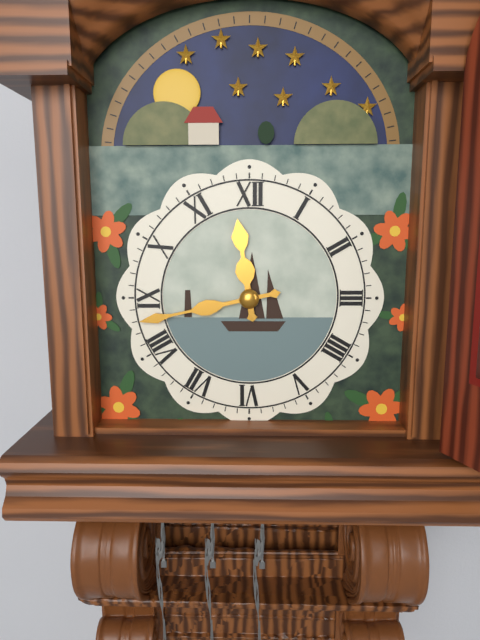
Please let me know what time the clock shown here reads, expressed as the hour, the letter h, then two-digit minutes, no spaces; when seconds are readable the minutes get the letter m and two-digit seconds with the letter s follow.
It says 11h43
